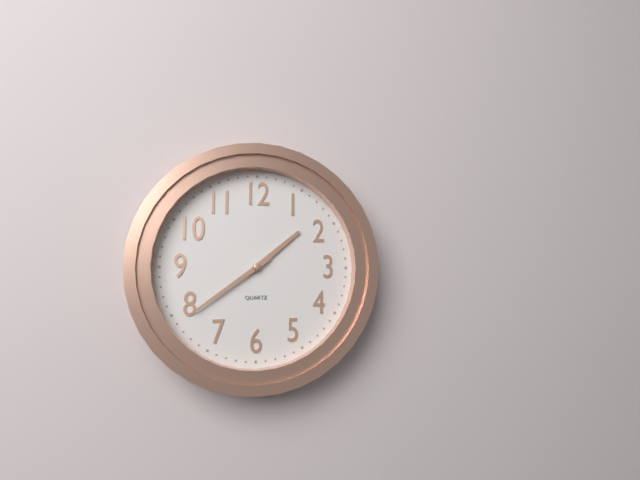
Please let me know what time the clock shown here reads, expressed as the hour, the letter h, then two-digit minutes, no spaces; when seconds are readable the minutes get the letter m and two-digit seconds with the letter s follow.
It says 1h39
